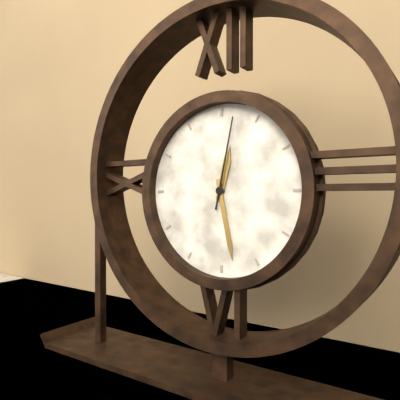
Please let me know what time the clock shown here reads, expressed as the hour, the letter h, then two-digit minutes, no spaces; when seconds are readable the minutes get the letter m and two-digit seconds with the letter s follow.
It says 12h28m02s
